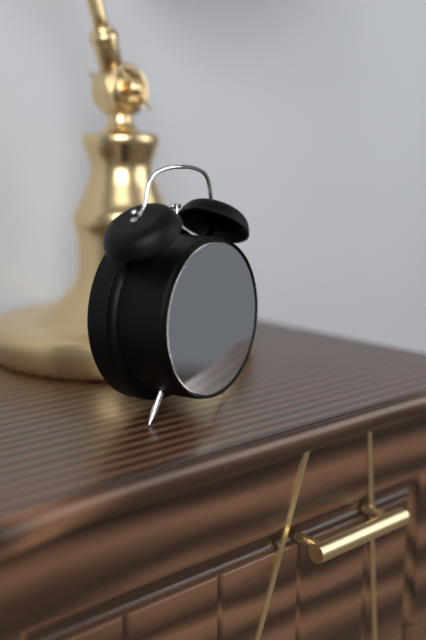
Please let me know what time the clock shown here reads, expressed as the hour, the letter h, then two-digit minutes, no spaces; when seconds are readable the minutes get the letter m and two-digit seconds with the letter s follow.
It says 4h10
